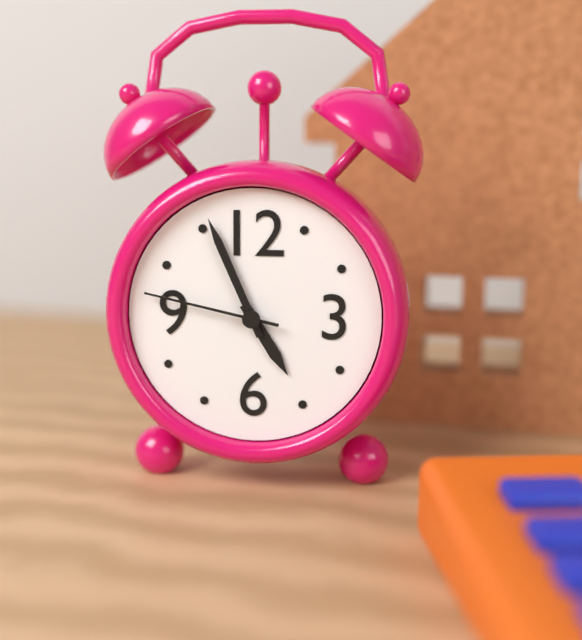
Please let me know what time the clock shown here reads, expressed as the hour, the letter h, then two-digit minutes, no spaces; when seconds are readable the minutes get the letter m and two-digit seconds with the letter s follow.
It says 4h56m47s
